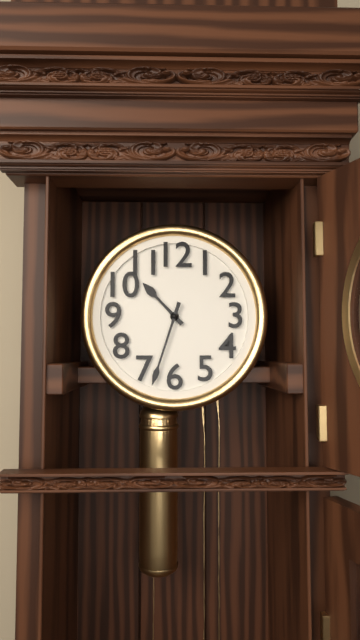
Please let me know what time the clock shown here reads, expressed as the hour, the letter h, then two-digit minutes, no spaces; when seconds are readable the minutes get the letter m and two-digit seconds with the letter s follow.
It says 10h33
